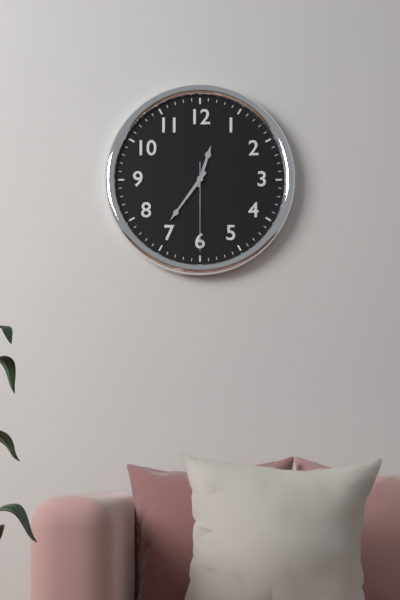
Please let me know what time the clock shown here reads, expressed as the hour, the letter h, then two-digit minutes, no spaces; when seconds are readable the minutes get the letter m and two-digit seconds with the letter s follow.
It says 12h36m30s
